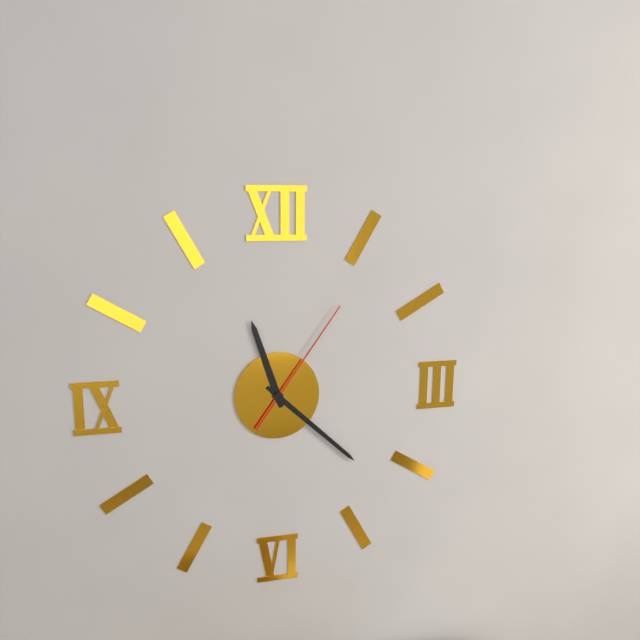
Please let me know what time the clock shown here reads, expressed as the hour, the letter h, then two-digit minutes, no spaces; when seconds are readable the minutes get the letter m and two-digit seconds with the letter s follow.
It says 11h22m06s
